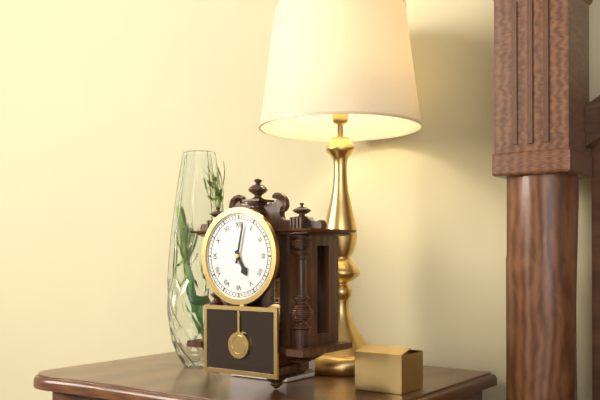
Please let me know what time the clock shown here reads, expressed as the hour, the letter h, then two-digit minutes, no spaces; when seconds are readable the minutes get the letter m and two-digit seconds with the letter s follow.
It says 5h02
